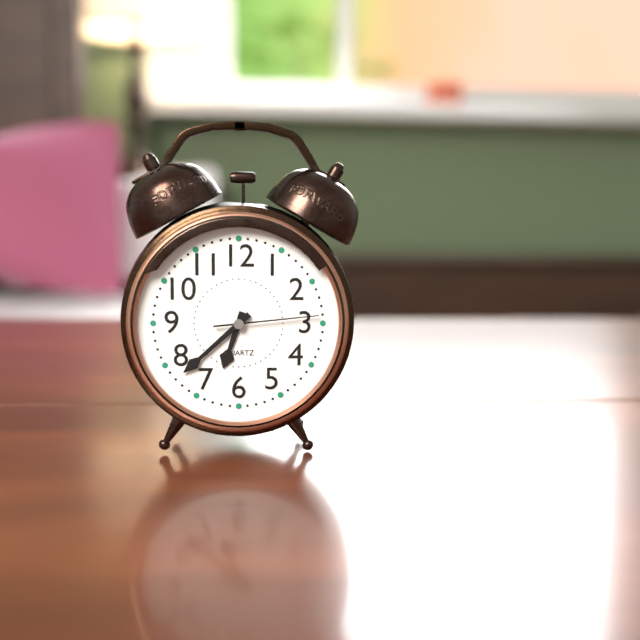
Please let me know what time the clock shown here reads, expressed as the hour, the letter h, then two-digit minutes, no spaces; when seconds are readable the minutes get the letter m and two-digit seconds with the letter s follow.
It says 6h38m14s
